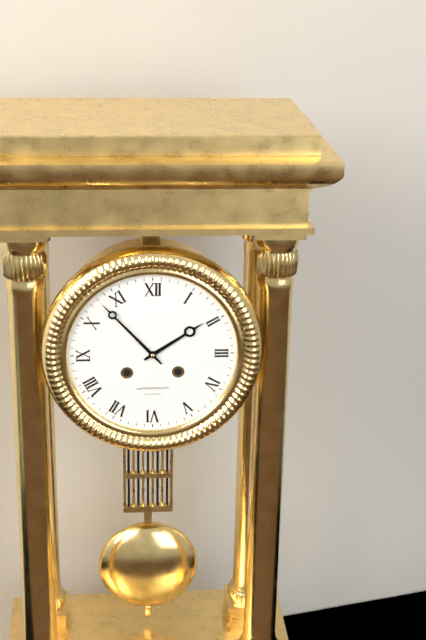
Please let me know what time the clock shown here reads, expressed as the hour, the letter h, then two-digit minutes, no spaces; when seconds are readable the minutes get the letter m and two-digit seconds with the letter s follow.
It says 1h53
